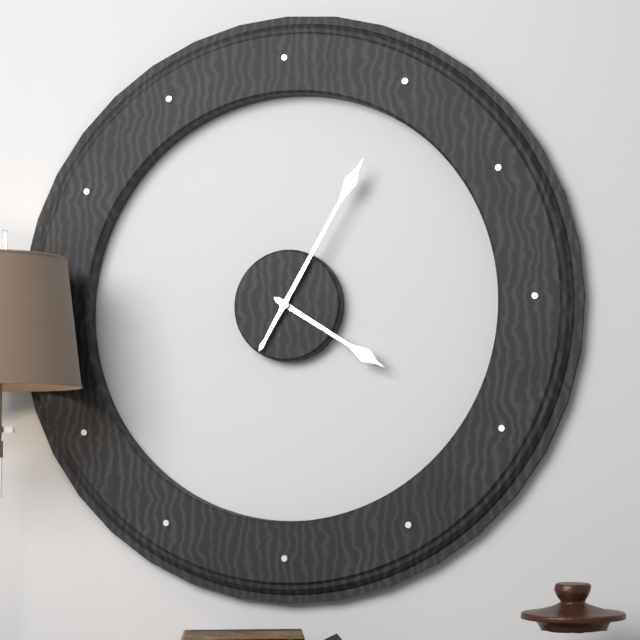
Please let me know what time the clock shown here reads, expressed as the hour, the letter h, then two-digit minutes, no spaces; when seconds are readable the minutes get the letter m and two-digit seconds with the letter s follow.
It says 4h05
